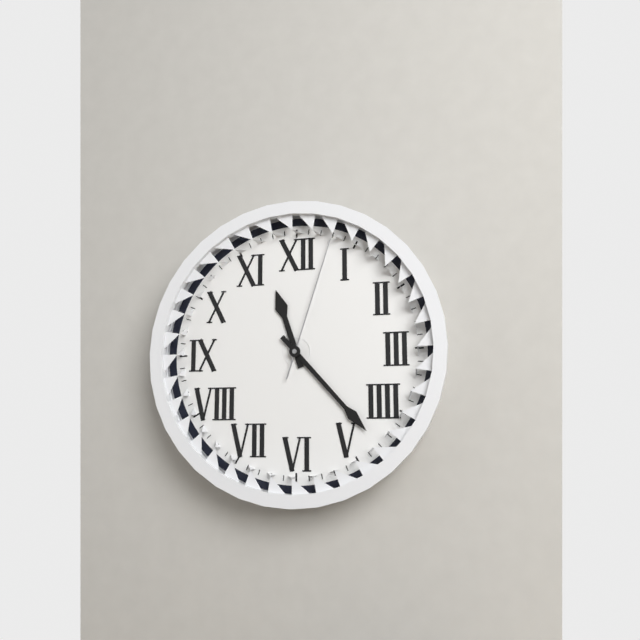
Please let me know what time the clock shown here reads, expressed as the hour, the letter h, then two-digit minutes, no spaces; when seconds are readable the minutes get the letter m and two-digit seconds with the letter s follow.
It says 11h23m03s
